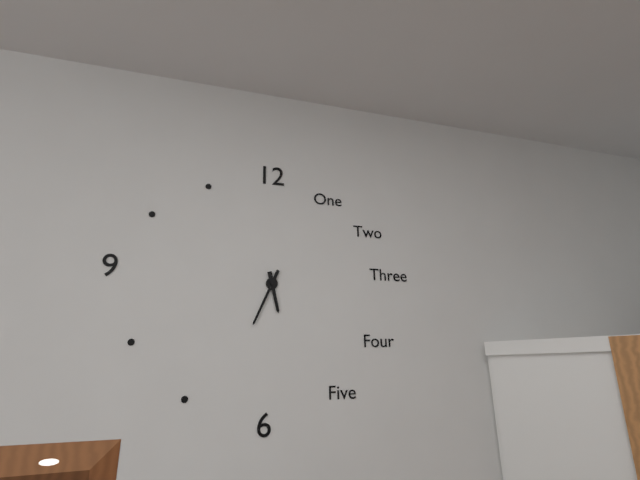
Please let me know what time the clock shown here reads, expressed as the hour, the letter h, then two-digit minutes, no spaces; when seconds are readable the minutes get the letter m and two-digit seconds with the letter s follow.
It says 5h34
